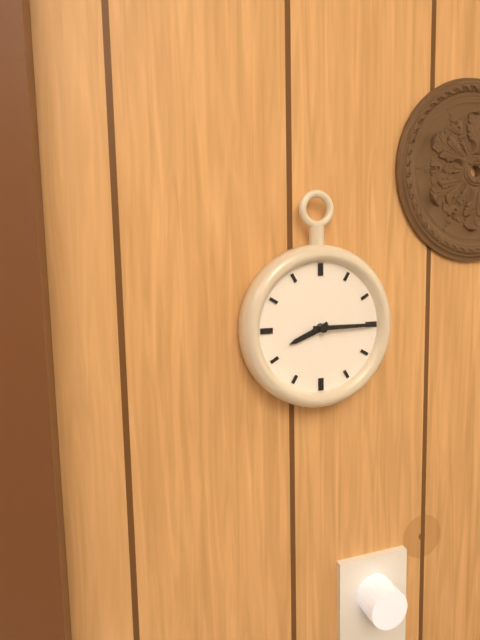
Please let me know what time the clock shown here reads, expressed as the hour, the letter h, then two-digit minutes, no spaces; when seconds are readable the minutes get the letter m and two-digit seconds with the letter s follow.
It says 8h15
